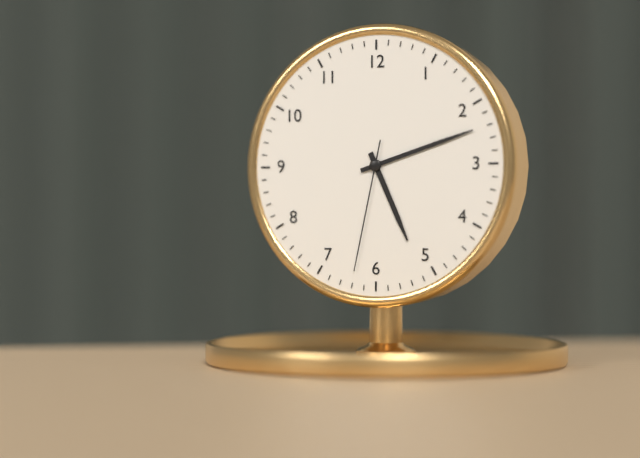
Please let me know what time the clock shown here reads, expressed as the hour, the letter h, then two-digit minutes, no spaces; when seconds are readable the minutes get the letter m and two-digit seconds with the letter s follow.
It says 5h12m32s
